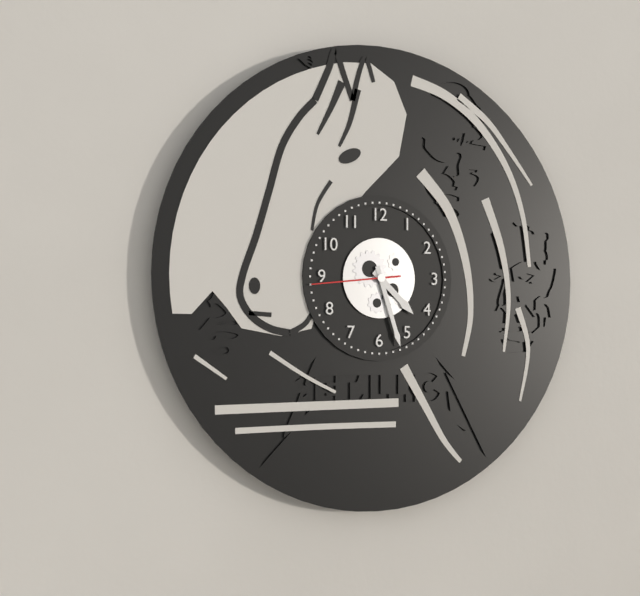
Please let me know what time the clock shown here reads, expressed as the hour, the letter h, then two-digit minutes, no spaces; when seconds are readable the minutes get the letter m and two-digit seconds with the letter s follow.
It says 4h27m44s
